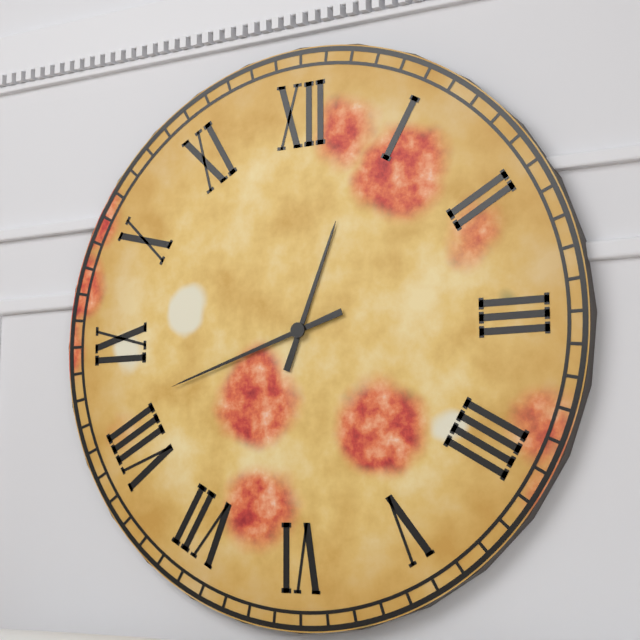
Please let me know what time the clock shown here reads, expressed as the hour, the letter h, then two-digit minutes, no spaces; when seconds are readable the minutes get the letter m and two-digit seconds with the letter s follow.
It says 12h42
